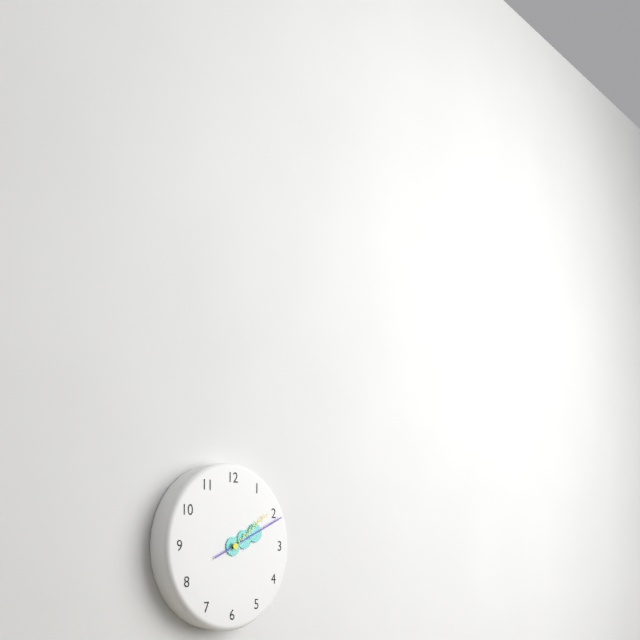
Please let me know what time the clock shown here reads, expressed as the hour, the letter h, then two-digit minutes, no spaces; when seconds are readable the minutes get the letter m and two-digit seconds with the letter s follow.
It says 2h11m09s
